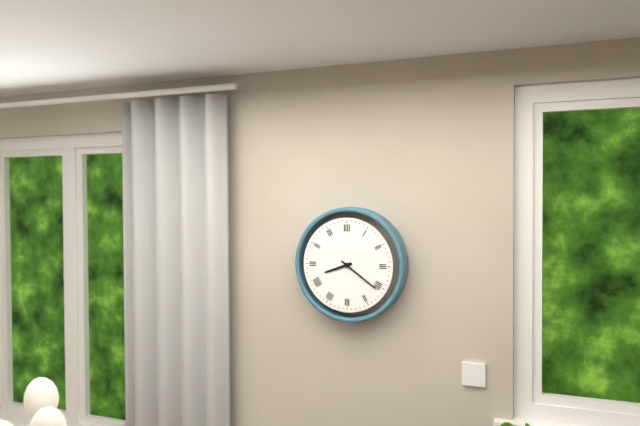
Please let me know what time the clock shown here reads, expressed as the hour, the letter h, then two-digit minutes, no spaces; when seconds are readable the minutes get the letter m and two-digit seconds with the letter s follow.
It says 8h21
